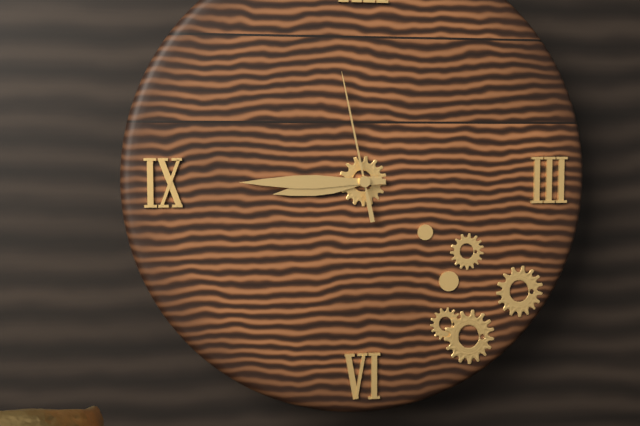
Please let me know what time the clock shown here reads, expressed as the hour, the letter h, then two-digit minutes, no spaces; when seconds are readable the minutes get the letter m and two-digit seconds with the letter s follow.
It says 8h45m58s
